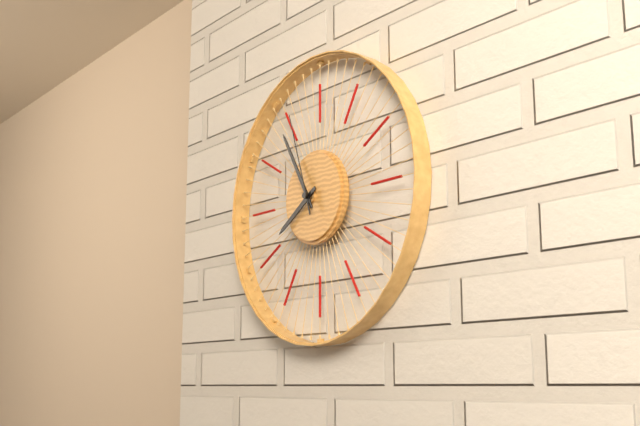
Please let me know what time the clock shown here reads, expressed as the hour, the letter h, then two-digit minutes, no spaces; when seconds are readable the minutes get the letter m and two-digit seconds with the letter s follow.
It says 7h55m57s
